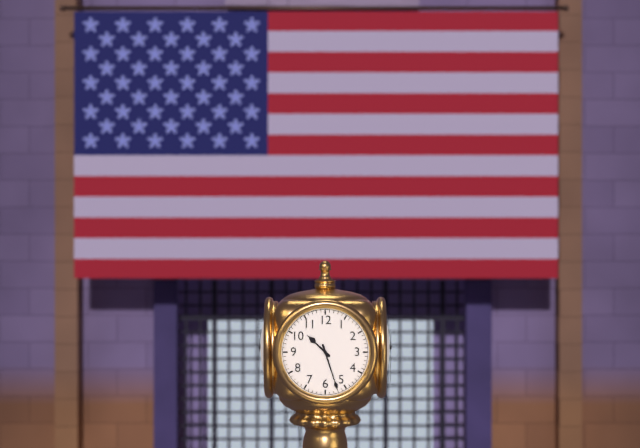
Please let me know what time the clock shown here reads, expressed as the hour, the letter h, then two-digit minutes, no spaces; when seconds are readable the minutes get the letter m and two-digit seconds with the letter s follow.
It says 10h27
